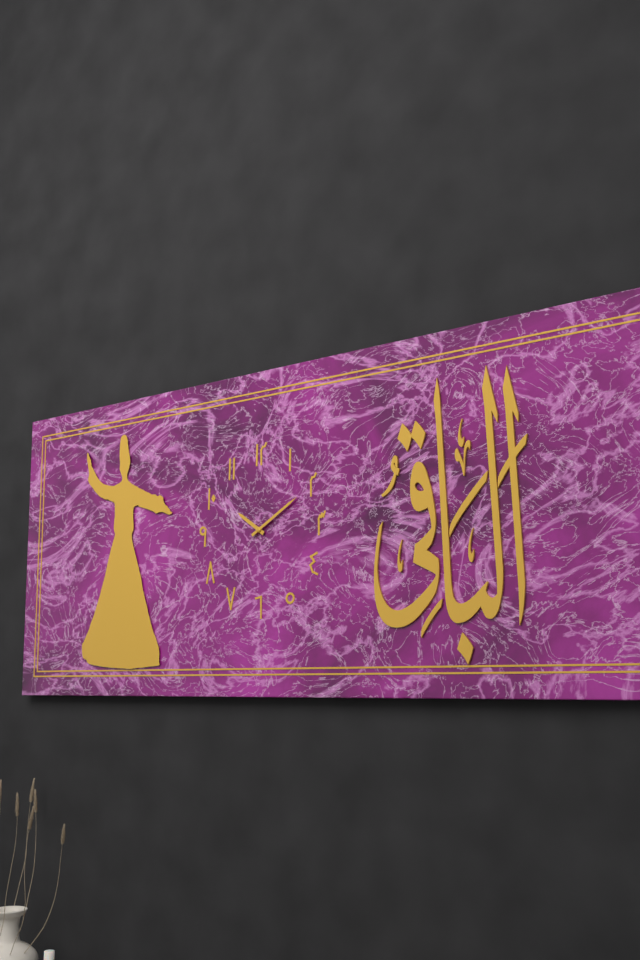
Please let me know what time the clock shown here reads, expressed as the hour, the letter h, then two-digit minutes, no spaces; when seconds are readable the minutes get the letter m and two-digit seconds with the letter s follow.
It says 10h10
